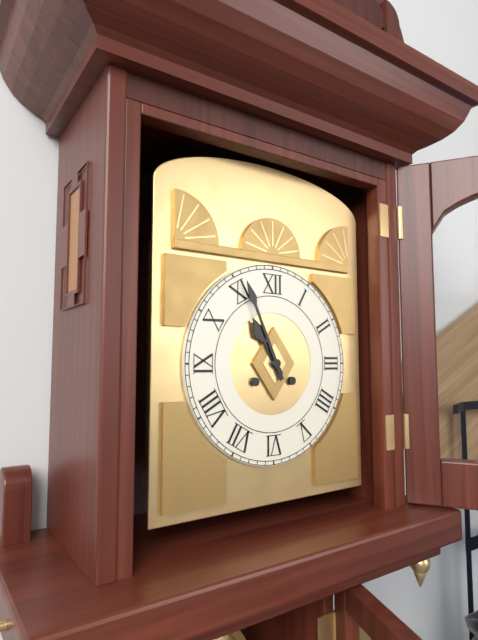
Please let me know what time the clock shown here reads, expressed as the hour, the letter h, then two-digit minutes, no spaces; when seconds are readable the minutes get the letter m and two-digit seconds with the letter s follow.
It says 10h56
